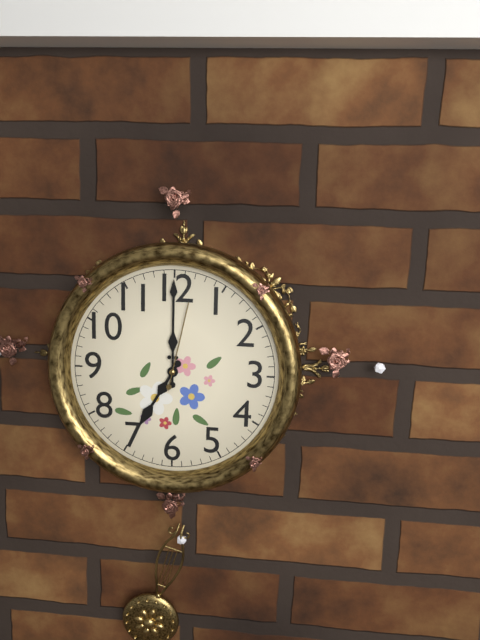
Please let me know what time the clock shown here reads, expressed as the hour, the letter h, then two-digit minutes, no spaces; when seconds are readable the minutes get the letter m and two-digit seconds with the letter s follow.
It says 7h00m02s
